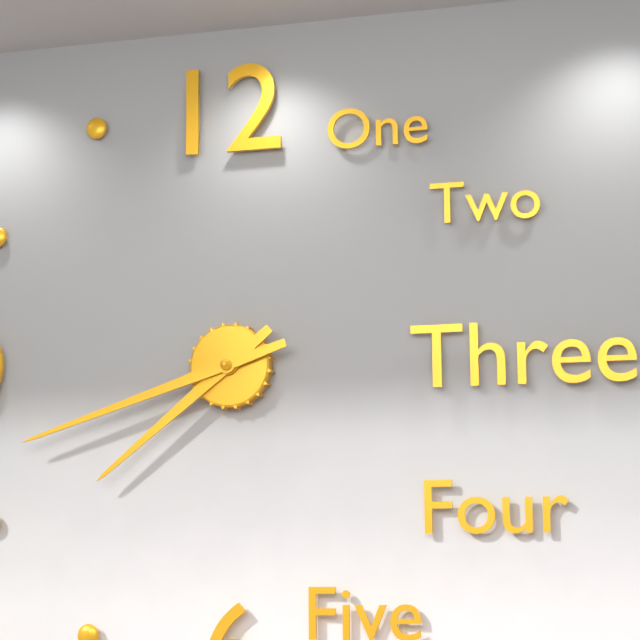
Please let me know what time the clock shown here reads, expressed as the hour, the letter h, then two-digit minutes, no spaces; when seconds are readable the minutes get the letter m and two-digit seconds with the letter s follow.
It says 7h42
